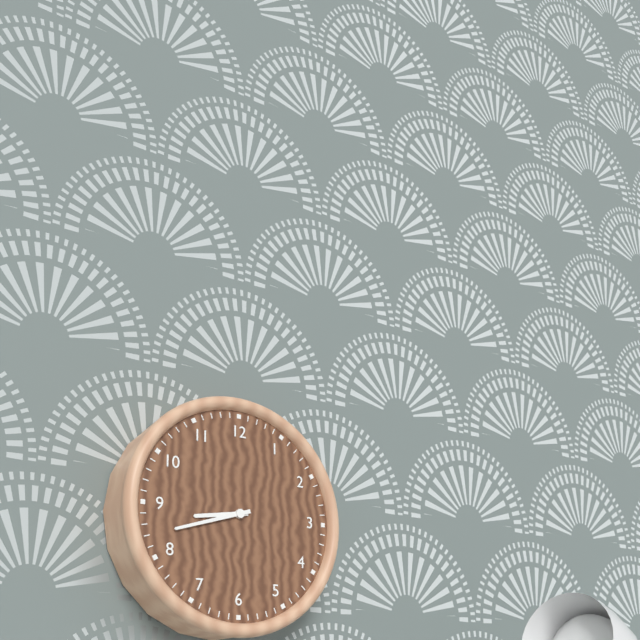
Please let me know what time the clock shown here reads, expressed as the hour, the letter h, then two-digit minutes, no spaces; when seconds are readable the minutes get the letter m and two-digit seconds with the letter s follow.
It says 8h42
